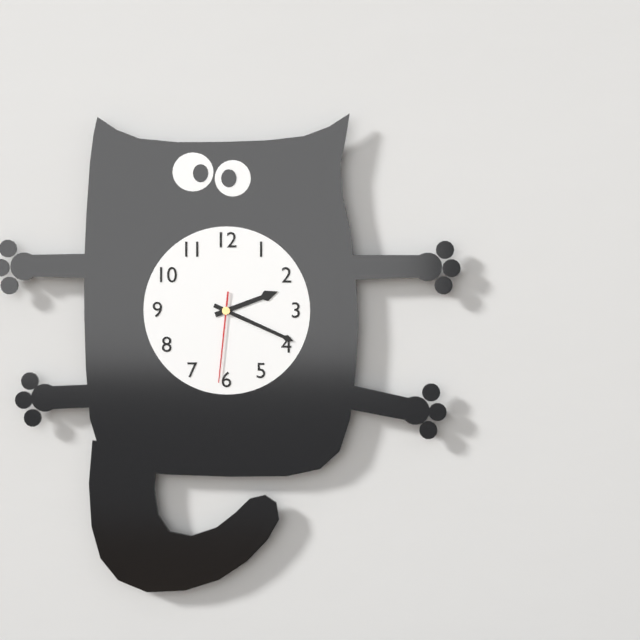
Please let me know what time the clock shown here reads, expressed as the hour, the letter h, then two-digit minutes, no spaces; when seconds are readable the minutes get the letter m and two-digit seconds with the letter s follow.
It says 2h19m31s
